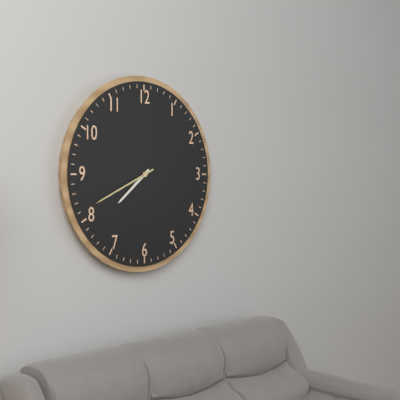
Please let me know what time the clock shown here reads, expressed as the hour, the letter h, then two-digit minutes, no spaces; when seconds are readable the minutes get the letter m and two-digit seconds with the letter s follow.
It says 7h41
